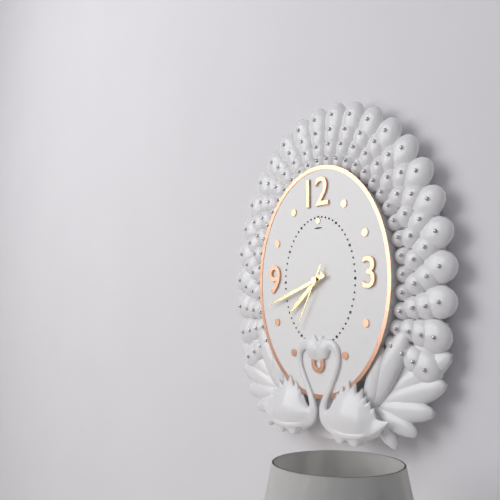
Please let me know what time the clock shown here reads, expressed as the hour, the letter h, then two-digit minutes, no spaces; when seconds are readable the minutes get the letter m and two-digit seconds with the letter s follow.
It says 7h42m35s
